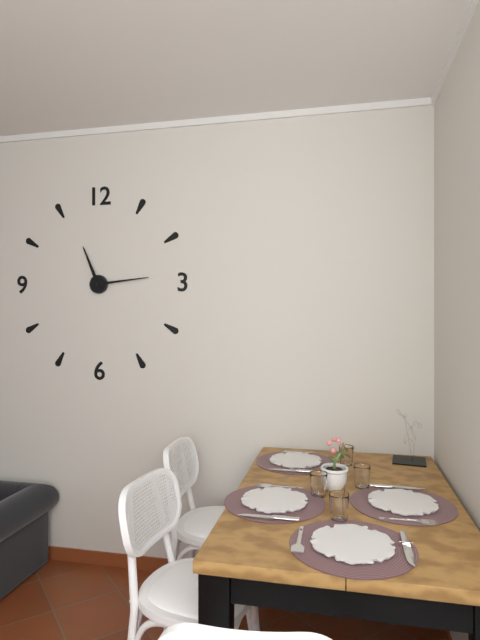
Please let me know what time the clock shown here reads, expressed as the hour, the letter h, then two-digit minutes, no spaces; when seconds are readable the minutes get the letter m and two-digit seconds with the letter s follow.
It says 11h14
